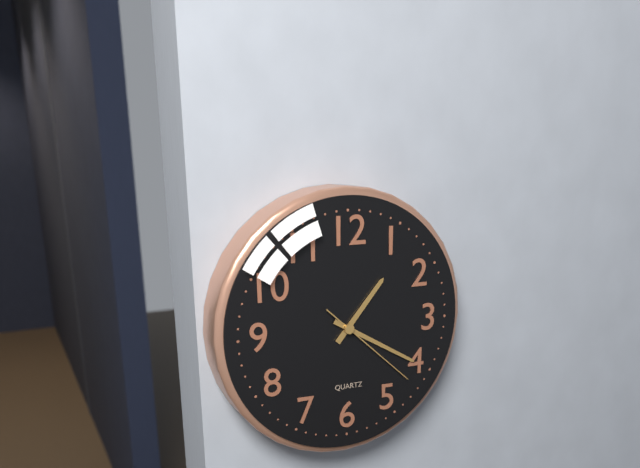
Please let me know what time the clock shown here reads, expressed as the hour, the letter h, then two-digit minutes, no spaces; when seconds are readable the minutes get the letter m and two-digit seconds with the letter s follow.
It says 1h20m22s
